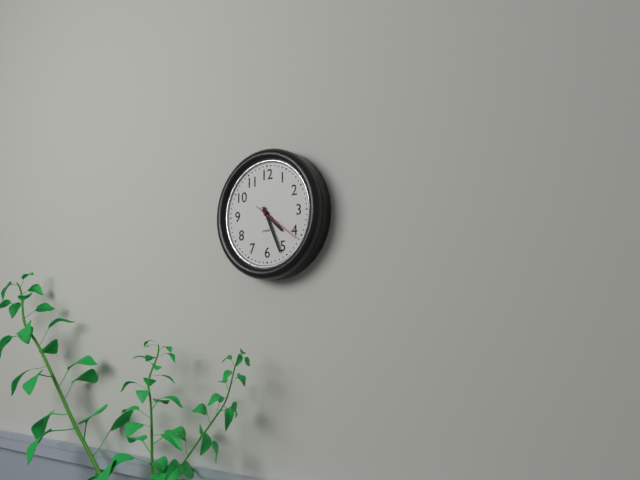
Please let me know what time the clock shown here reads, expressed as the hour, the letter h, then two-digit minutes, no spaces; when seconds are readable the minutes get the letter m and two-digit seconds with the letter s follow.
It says 4h26
